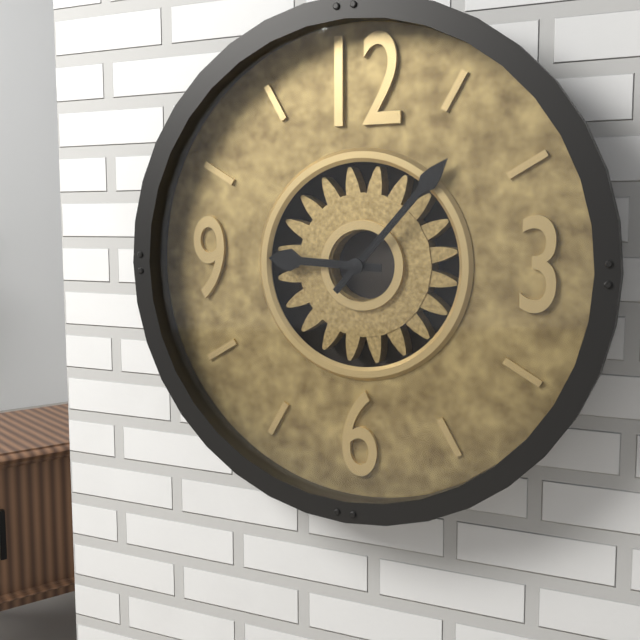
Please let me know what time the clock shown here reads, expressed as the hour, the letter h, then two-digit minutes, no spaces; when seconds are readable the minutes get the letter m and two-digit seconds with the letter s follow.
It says 9h07
